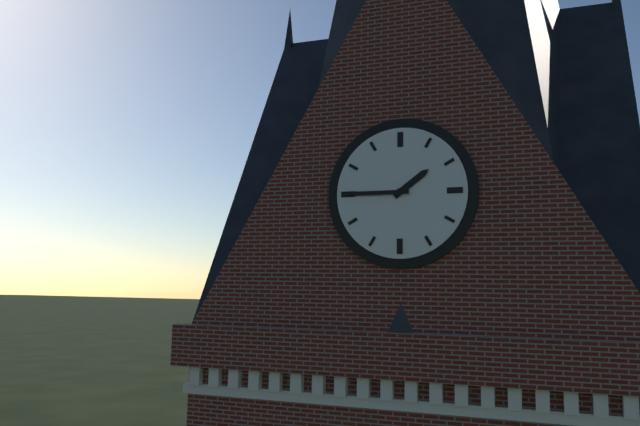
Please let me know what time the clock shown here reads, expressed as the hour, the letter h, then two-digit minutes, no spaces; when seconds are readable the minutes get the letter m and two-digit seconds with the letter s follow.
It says 1h45
